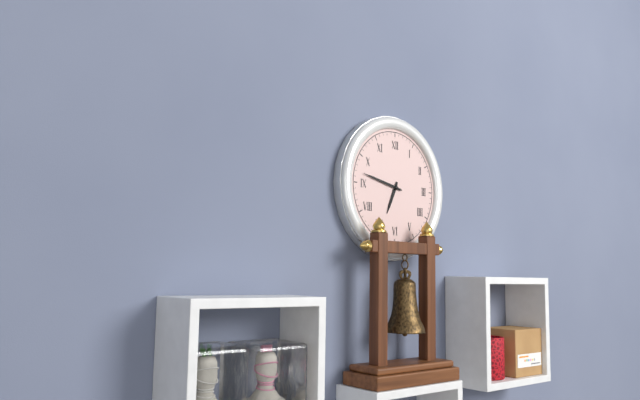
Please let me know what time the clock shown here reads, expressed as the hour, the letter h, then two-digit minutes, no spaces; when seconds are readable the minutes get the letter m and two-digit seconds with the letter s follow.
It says 6h47
